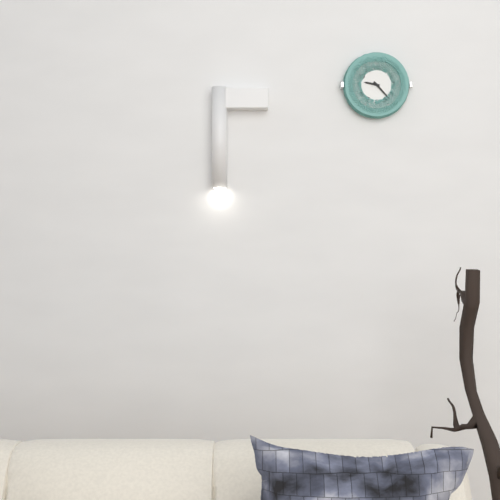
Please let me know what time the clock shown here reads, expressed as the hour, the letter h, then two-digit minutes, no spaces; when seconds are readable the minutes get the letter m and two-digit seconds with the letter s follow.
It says 9h23
